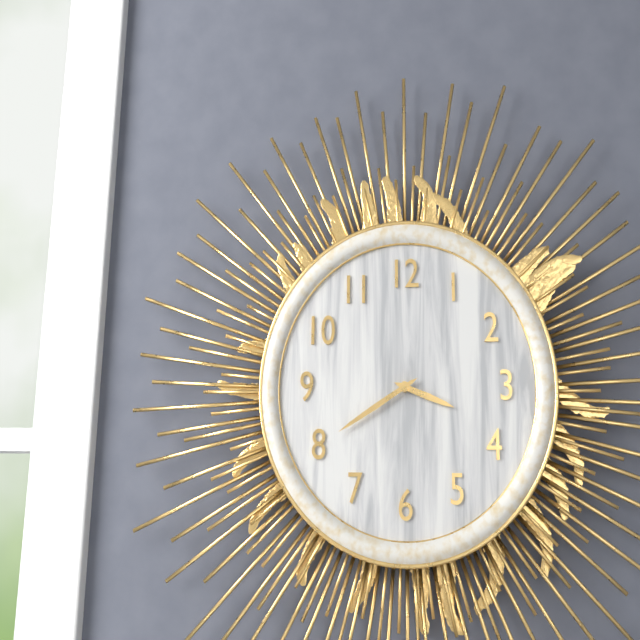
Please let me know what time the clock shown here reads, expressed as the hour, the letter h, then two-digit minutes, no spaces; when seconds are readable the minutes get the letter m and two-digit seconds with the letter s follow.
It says 3h40
